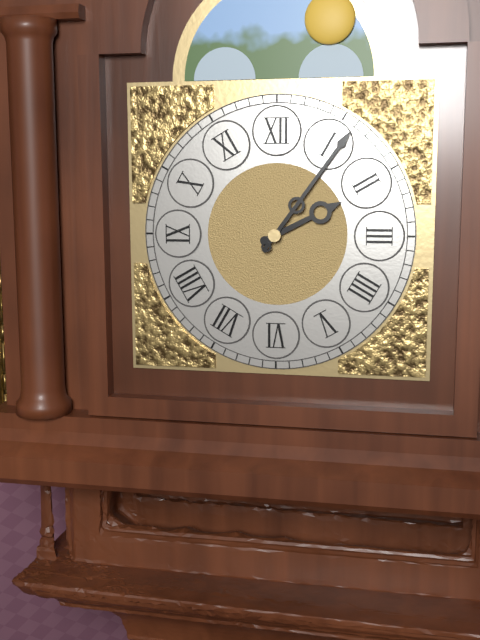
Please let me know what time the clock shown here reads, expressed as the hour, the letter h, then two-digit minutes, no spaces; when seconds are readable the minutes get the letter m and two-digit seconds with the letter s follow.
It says 2h06
